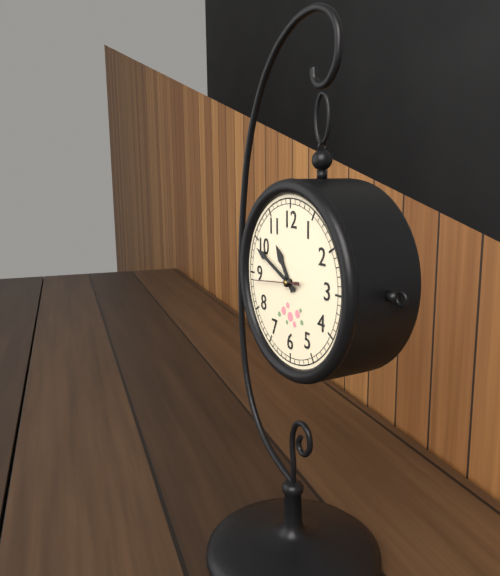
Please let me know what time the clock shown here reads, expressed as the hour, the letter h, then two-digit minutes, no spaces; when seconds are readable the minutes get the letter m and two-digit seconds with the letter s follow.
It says 10h49
